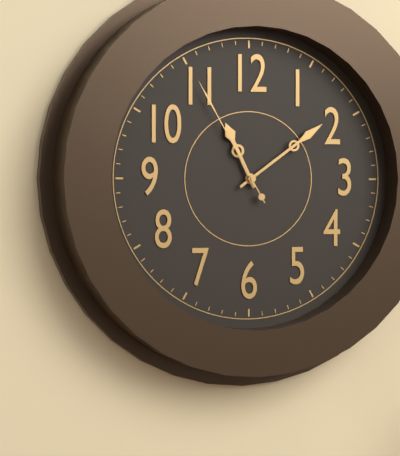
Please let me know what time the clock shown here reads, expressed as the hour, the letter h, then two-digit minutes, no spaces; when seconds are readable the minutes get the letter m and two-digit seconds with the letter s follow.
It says 11h09m55s
